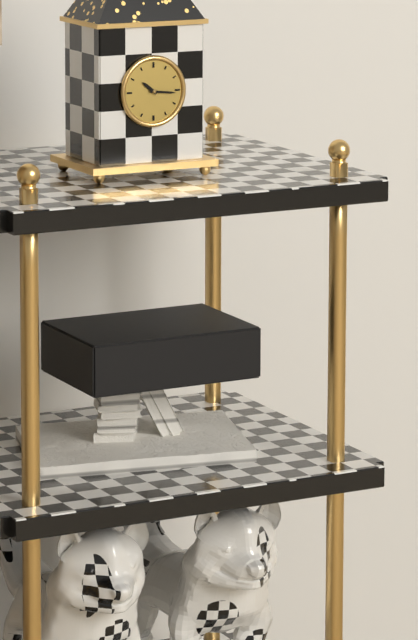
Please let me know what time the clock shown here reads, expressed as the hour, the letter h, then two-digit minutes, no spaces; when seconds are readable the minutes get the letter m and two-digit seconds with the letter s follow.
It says 10h16
